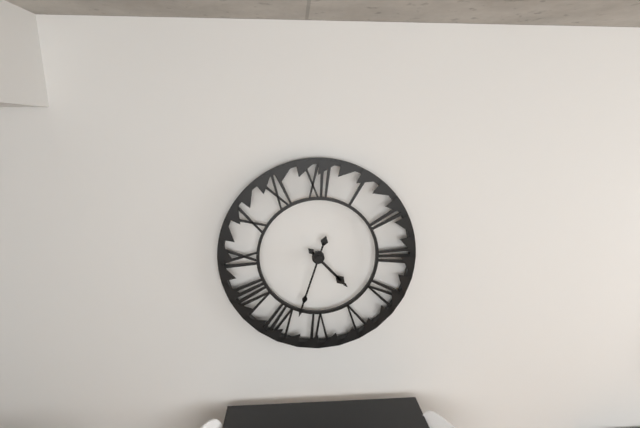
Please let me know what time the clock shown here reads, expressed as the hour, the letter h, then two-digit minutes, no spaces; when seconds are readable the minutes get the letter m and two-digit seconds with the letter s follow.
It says 4h33
